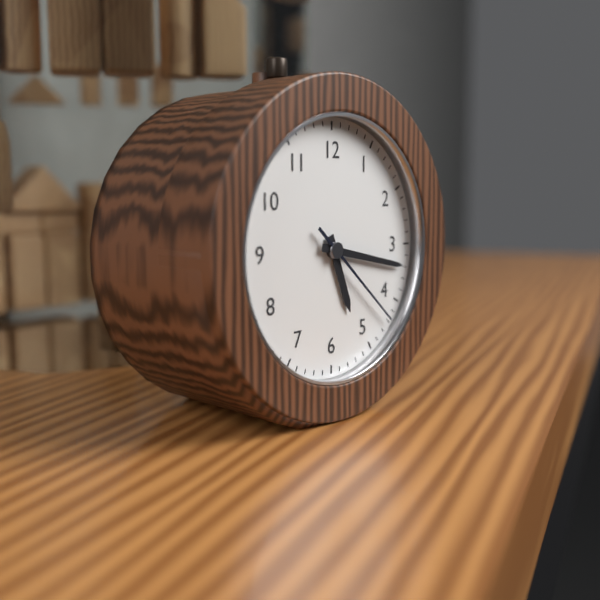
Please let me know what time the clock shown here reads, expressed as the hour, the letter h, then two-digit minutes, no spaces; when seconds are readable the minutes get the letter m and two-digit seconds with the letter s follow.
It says 5h17m22s
